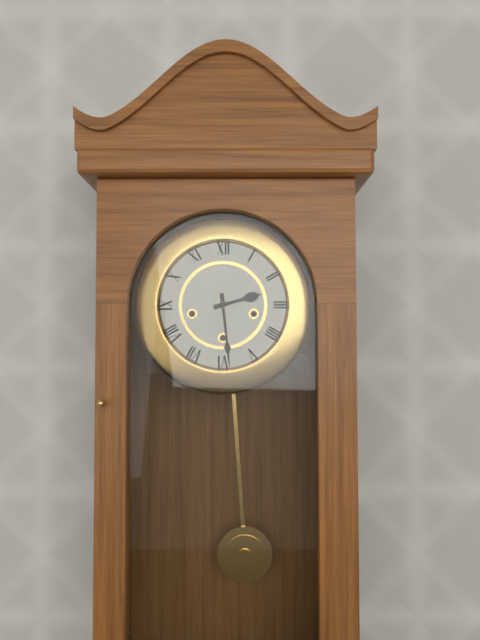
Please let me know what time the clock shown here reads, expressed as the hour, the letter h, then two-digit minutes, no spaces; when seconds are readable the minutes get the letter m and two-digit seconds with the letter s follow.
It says 2h29
